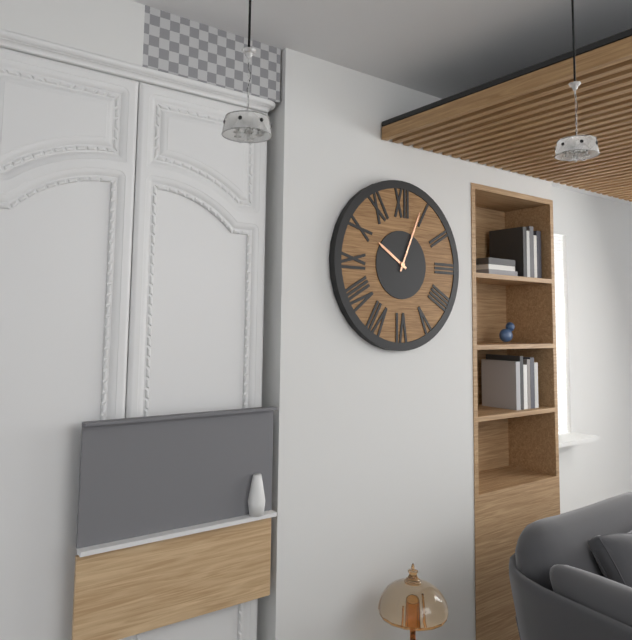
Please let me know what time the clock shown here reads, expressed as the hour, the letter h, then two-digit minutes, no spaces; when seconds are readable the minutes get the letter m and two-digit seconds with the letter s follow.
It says 10h04
